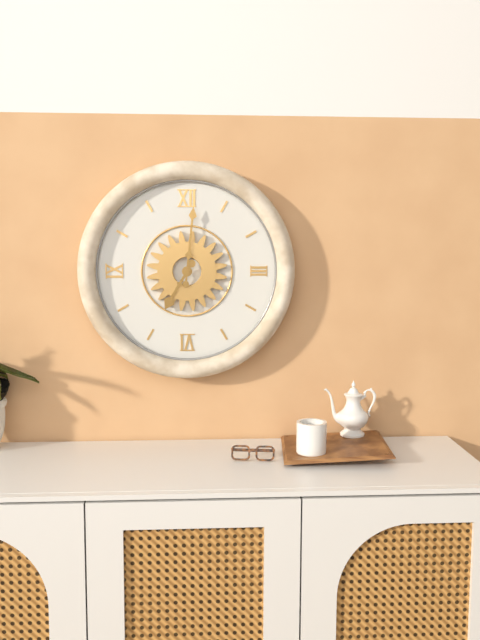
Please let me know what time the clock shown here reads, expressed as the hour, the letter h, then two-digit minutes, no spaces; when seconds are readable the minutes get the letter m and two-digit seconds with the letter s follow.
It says 7h01
